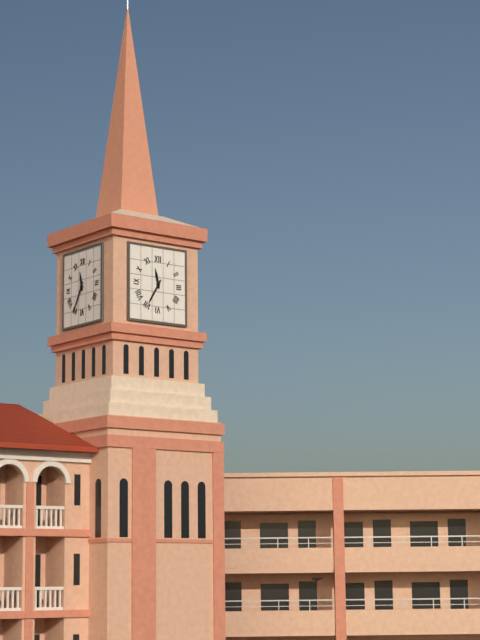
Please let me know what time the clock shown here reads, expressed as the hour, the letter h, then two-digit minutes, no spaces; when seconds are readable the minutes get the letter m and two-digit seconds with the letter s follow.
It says 11h35
